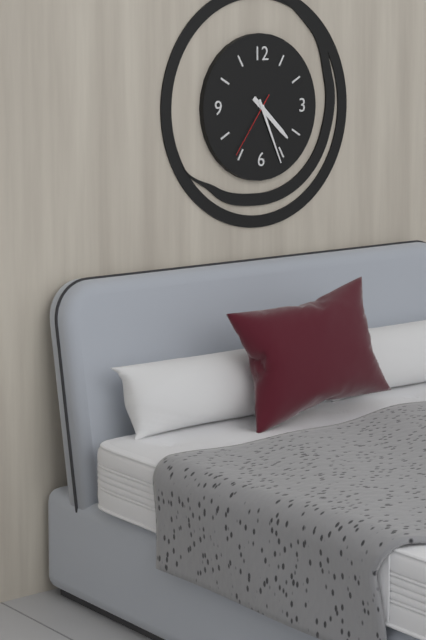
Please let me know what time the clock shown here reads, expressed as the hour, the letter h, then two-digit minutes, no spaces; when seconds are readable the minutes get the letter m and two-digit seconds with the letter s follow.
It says 4h26m36s
